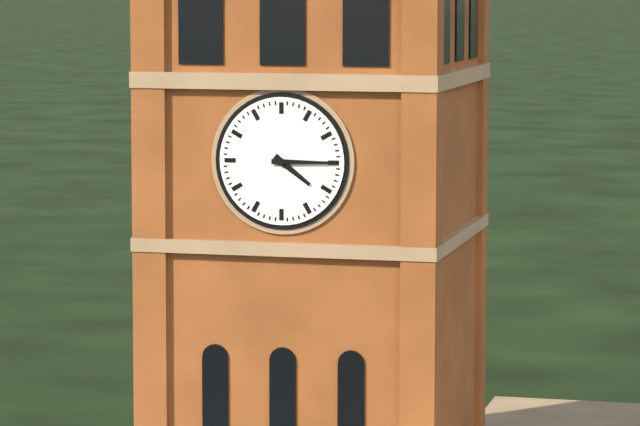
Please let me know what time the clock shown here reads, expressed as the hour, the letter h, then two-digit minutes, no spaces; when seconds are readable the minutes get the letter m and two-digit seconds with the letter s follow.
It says 4h15
